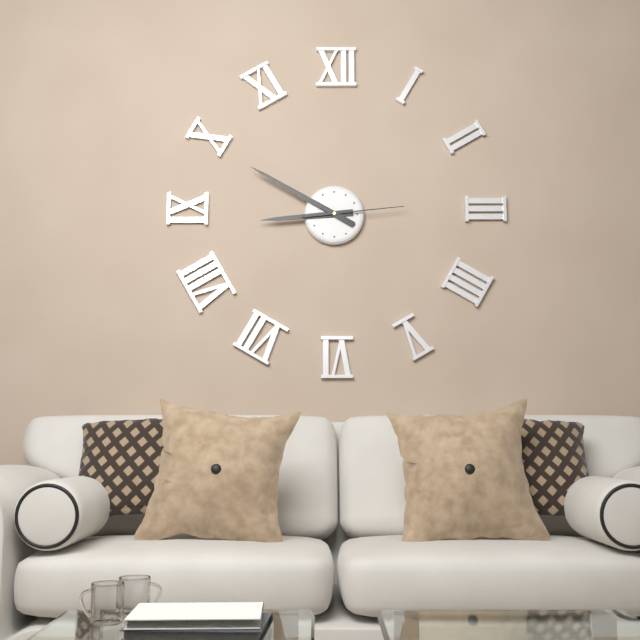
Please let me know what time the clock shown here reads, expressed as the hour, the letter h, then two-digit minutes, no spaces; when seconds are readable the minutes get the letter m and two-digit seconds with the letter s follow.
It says 8h50m14s
